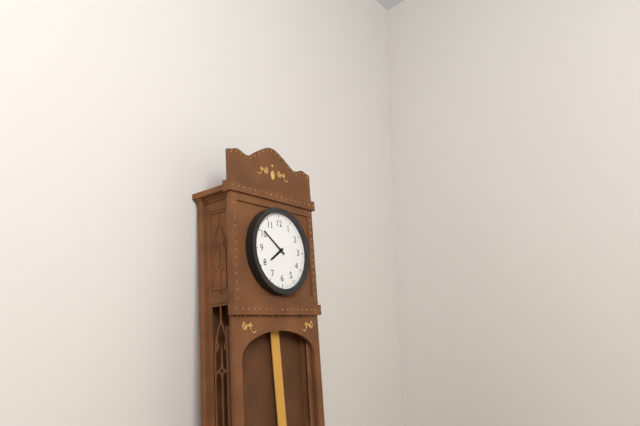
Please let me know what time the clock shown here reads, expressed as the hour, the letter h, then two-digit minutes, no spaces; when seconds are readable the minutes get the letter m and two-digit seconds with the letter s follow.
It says 7h51
